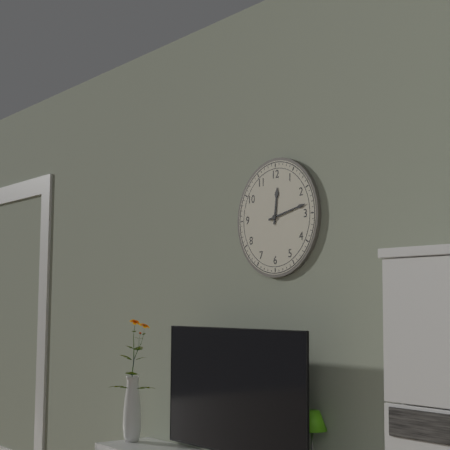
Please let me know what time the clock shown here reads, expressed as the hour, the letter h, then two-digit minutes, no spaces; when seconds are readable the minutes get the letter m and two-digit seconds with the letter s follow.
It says 12h13
